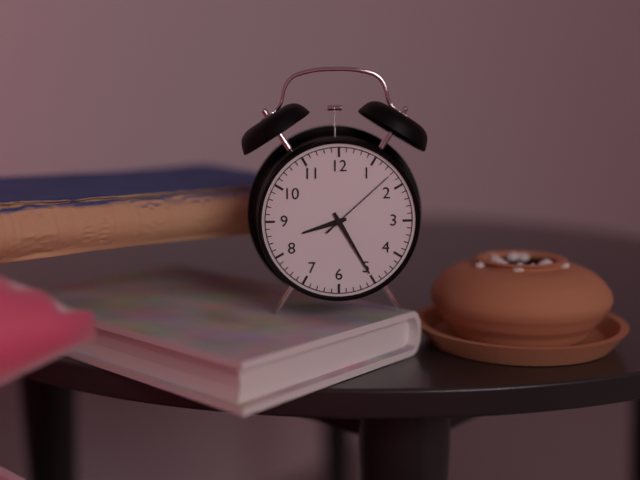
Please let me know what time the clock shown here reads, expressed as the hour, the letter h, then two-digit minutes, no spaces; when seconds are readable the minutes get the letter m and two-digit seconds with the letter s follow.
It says 8h25m08s
